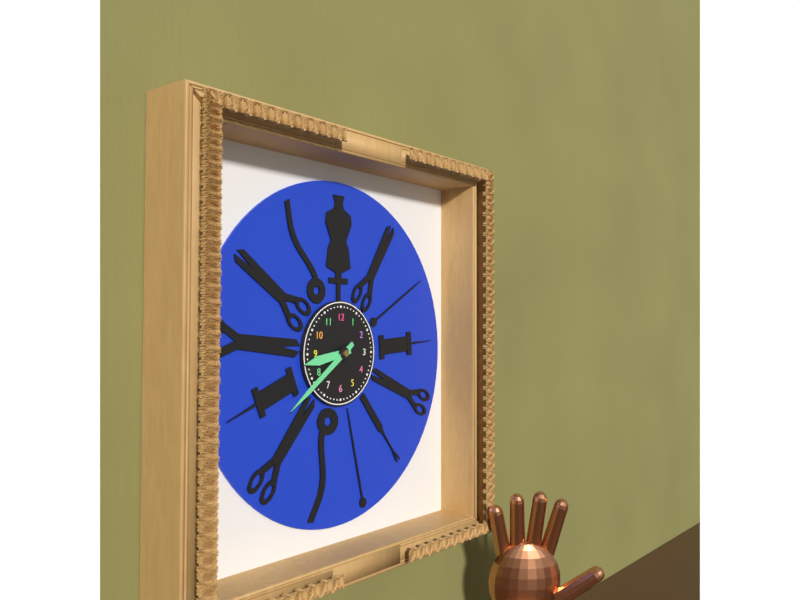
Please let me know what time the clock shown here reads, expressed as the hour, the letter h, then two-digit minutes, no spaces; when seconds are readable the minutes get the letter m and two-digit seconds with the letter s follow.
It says 8h39
